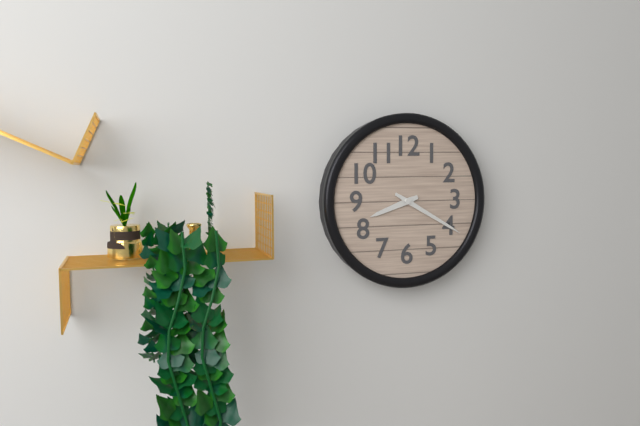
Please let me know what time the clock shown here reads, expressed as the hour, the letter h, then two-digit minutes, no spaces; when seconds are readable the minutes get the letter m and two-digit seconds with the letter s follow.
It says 8h20
